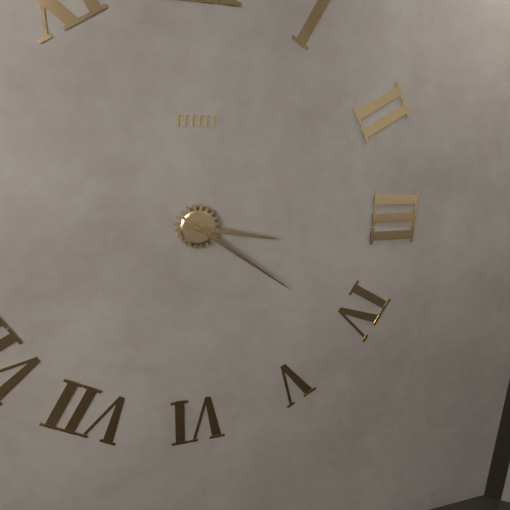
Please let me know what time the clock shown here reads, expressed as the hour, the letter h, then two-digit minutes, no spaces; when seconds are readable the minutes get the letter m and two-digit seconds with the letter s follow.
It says 3h21
